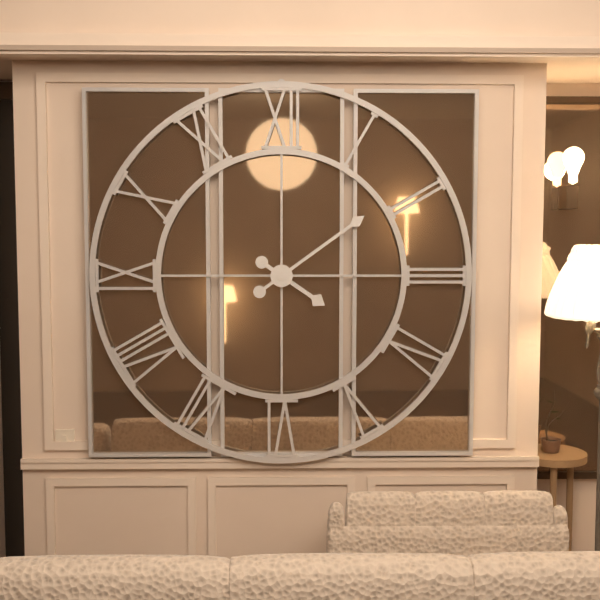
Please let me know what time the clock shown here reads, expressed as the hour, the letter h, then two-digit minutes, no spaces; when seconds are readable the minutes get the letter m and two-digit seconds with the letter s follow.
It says 4h09
